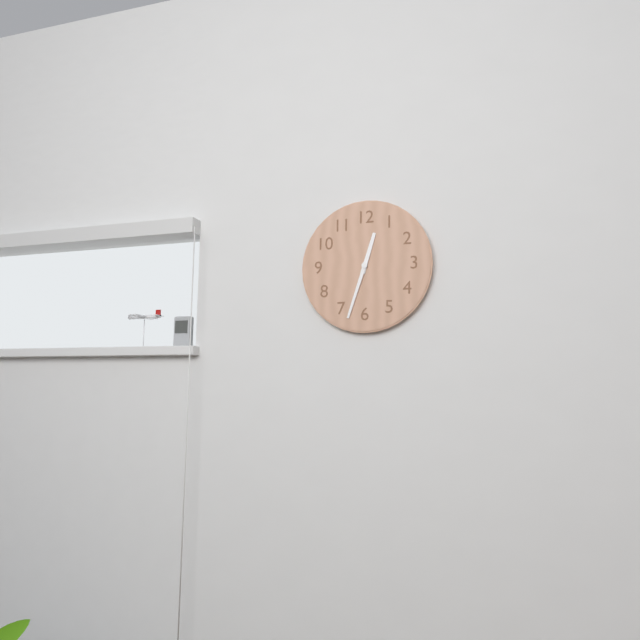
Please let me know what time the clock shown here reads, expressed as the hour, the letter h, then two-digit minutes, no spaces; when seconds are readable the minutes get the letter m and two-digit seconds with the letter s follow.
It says 12h33
